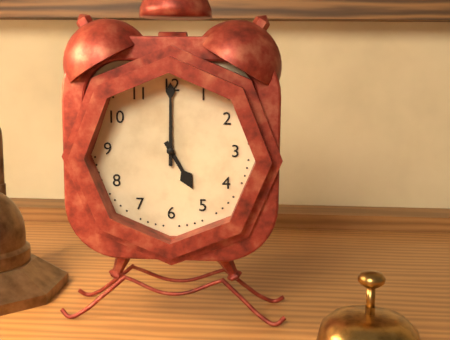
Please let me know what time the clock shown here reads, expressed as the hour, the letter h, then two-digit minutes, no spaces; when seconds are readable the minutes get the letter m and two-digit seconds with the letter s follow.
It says 5h00
